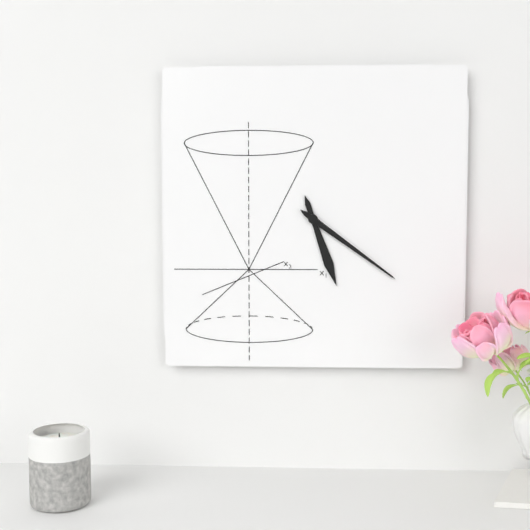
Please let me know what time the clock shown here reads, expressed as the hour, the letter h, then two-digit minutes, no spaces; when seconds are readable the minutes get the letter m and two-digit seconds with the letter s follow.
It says 5h21
